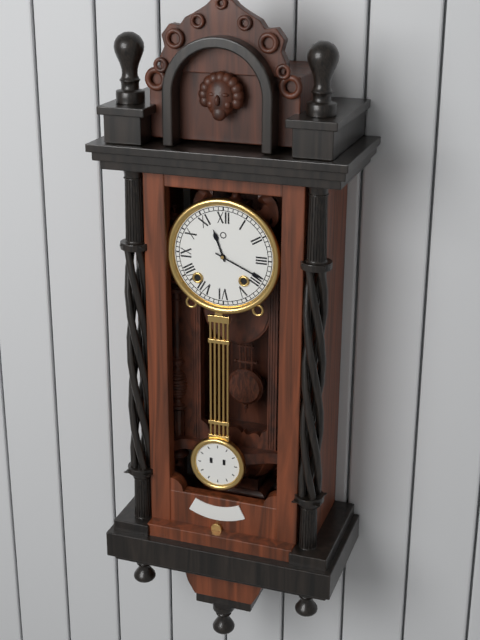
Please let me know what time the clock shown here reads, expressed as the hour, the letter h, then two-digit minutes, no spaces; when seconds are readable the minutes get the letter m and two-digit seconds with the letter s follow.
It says 11h19
